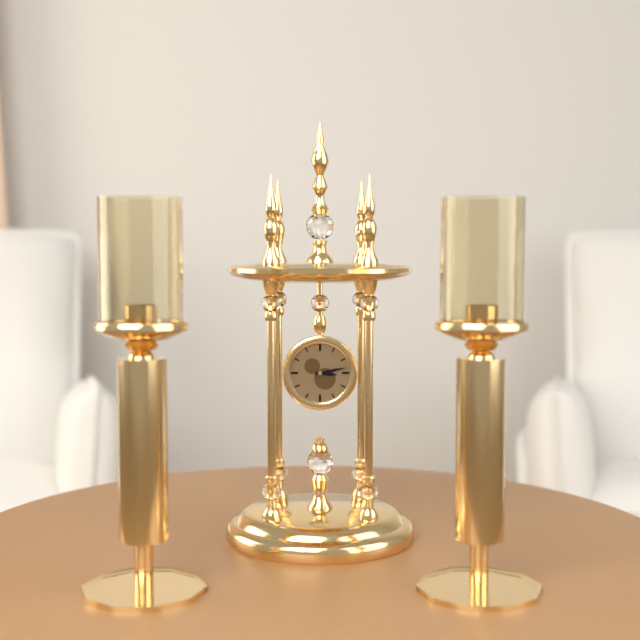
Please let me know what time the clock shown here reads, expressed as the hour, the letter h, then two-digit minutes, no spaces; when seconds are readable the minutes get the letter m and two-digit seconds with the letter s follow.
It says 3h13
